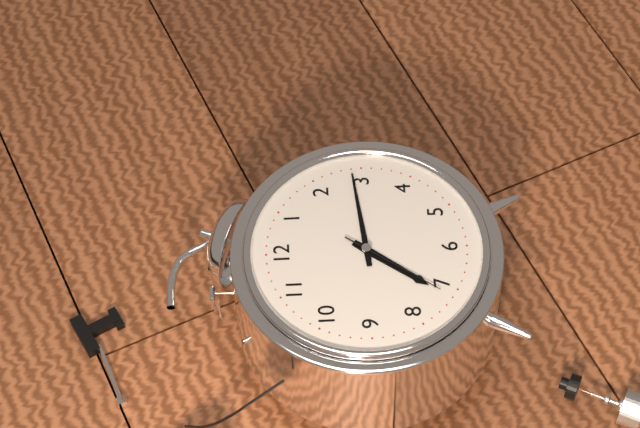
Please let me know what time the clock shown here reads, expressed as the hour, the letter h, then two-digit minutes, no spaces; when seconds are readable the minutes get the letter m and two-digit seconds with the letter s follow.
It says 7h14m36s
